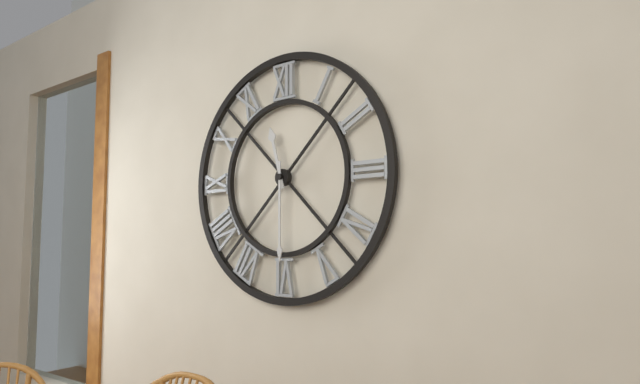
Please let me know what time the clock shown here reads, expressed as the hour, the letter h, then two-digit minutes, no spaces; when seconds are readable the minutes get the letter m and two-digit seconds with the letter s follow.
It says 11h30
